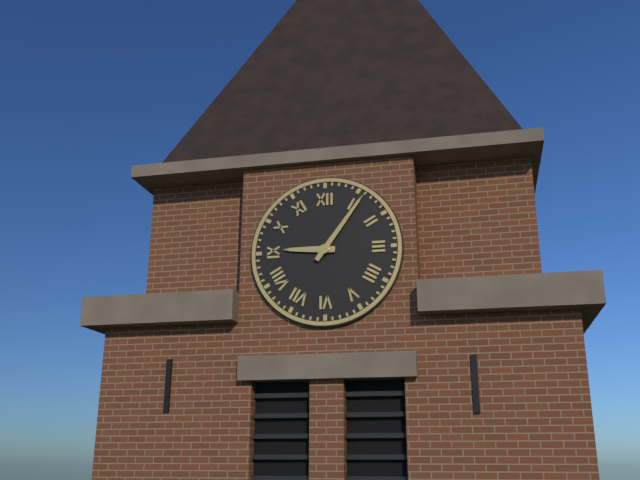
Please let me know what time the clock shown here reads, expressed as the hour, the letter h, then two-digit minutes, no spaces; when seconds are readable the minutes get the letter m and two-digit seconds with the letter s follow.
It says 9h06
